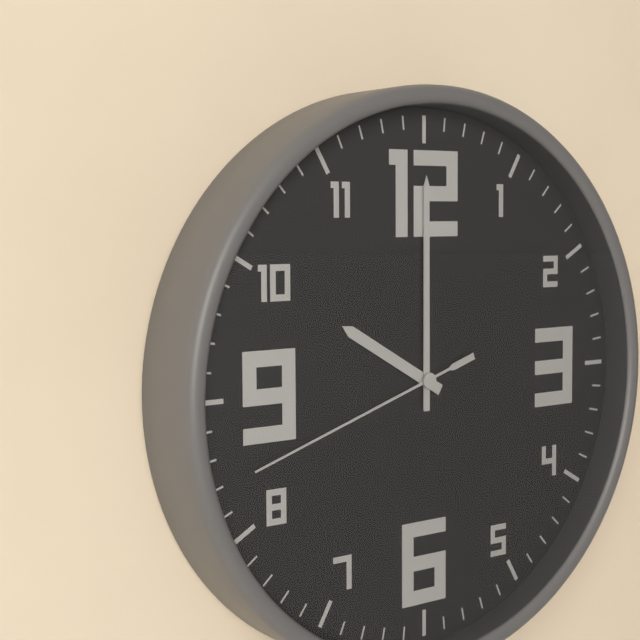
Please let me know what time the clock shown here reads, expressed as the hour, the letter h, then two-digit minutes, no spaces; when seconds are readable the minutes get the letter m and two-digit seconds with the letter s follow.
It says 10h00m42s
